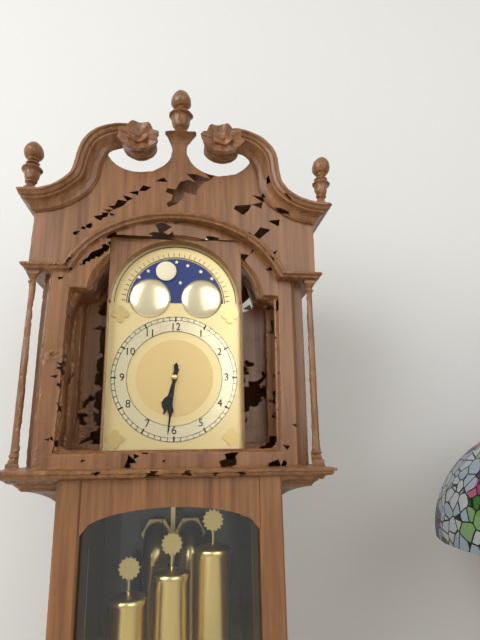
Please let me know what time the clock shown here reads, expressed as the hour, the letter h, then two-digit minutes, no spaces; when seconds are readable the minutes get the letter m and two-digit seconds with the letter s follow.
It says 6h31
